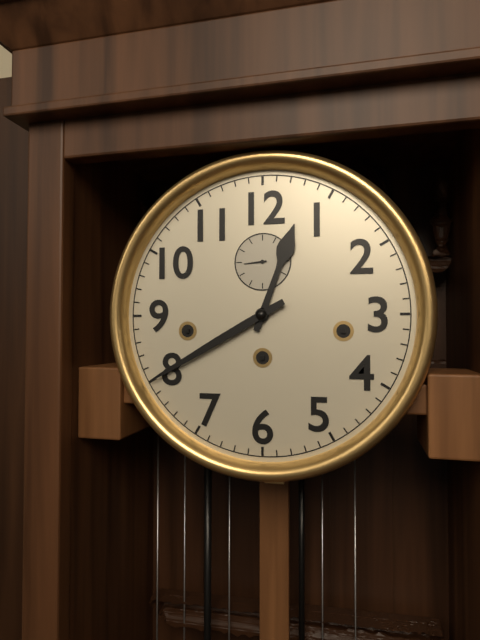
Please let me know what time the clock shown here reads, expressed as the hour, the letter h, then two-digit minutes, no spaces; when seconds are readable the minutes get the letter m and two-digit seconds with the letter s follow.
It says 12h40
